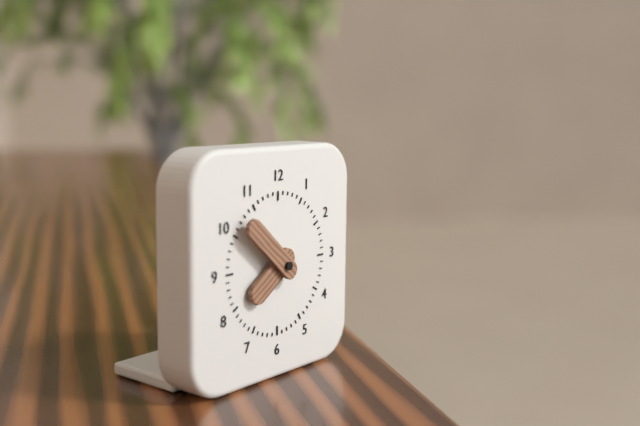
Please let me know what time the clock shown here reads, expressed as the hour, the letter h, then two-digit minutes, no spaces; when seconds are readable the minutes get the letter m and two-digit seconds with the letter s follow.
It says 7h52
